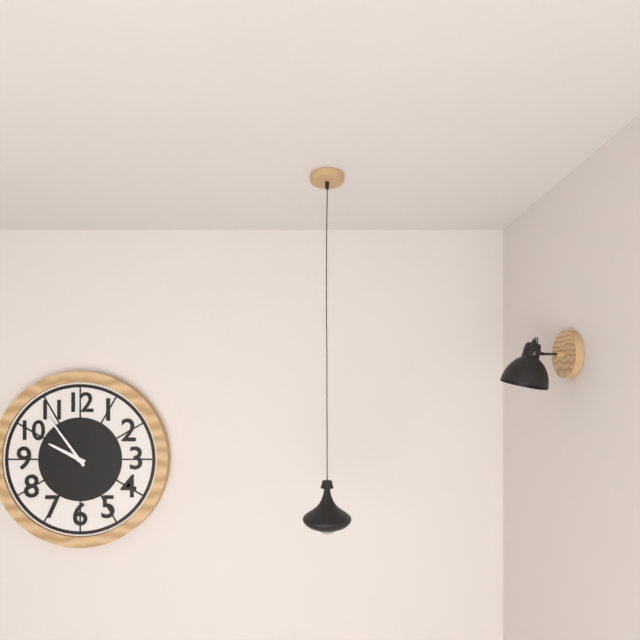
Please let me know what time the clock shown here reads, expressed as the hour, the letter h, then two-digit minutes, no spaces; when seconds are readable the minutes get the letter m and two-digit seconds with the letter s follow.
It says 9h54
